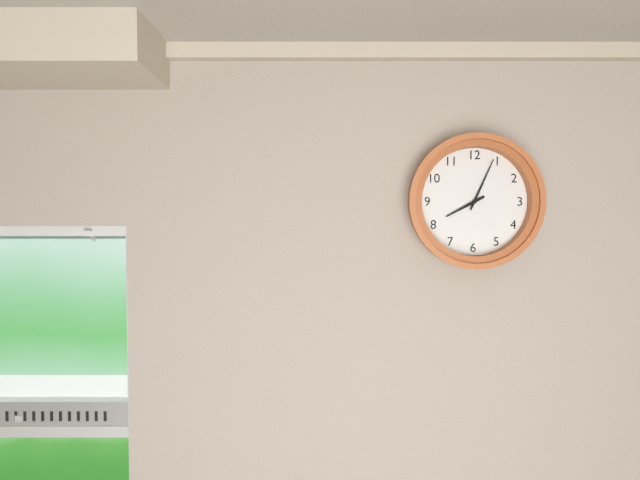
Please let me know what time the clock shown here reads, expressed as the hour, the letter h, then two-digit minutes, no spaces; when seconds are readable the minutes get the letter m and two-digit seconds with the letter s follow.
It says 8h04
